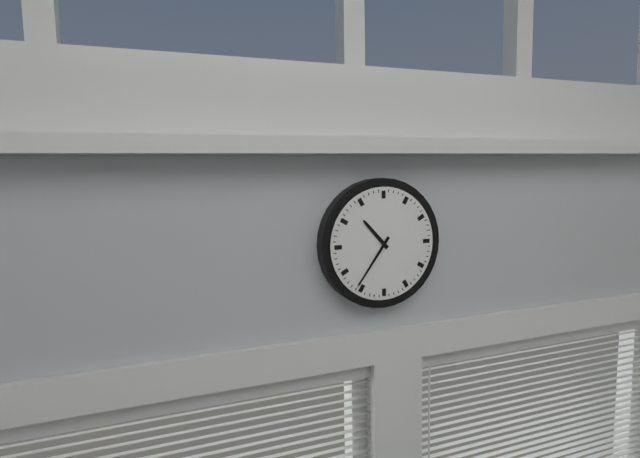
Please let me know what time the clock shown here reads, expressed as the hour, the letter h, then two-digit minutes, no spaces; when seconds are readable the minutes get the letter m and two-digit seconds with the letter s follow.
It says 10h36
